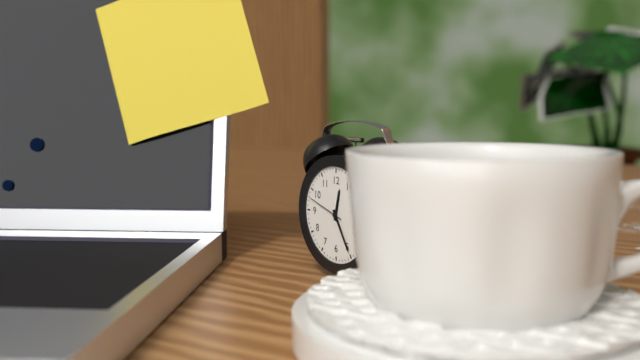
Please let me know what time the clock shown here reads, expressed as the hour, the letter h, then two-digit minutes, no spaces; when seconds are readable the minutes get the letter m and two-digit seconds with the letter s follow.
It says 12h25
